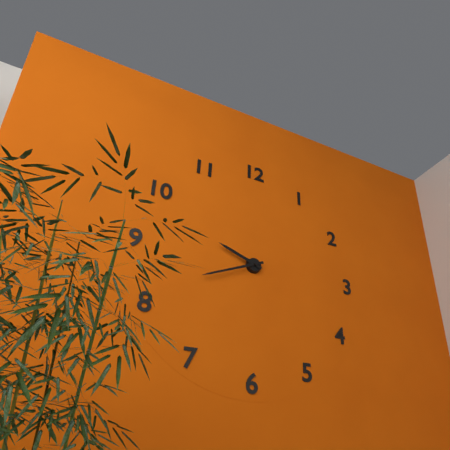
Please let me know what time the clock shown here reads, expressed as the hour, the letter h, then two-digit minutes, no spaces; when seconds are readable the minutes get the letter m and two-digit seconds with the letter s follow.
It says 9h41
